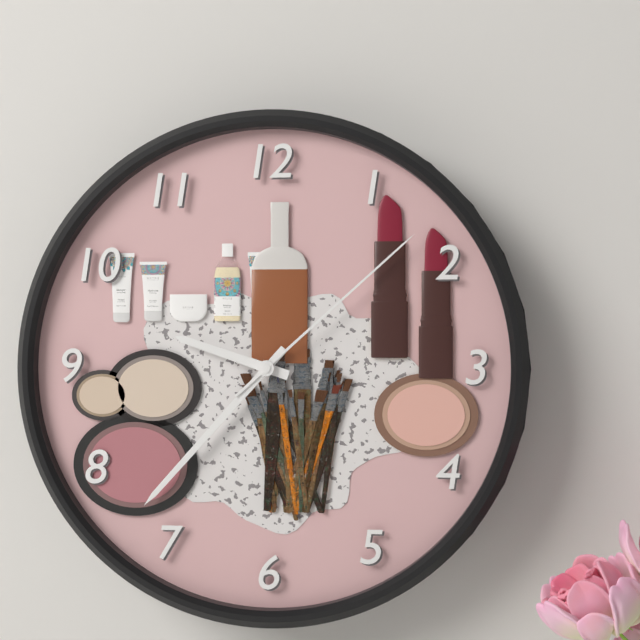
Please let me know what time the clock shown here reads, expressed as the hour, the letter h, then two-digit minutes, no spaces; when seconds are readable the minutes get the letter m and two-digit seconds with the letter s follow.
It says 9h37m08s
